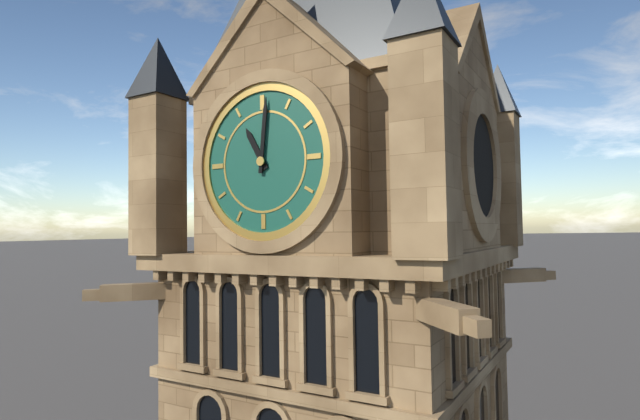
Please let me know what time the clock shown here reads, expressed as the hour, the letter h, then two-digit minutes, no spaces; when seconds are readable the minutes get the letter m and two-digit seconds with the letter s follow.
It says 11h01
